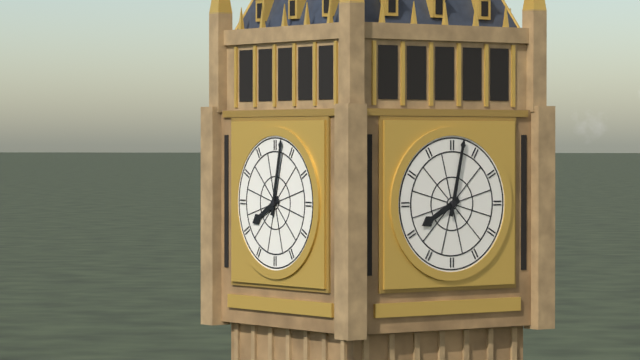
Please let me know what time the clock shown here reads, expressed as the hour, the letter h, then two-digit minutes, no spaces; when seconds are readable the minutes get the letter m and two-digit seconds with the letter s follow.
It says 8h02
